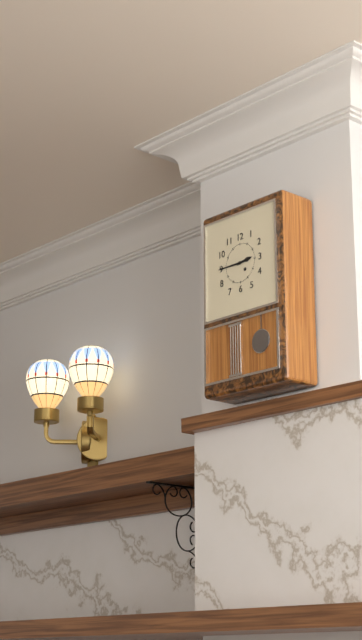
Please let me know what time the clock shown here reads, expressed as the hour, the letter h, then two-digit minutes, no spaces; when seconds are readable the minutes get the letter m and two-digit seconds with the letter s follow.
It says 2h45
